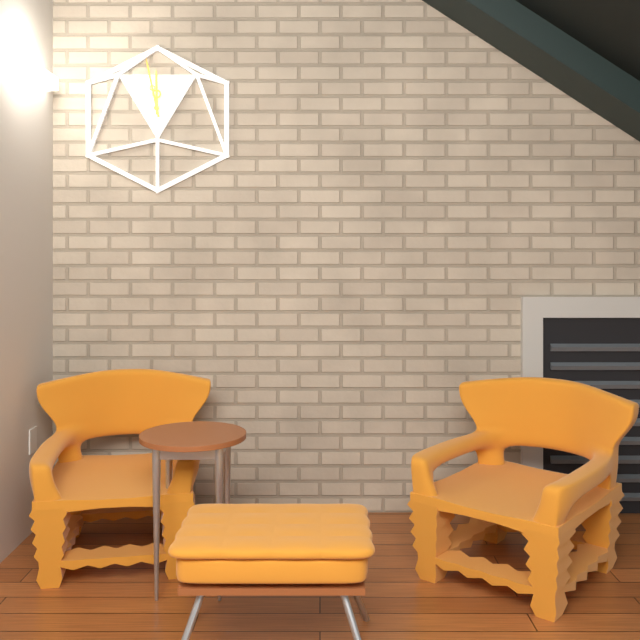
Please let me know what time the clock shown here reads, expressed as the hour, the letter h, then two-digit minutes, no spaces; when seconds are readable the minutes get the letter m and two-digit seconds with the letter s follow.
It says 11h58
